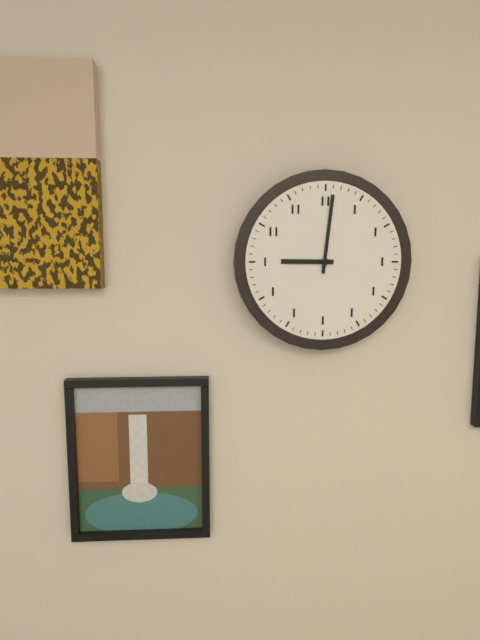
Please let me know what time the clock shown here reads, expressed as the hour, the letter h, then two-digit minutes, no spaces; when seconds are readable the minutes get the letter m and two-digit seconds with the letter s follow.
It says 9h01
